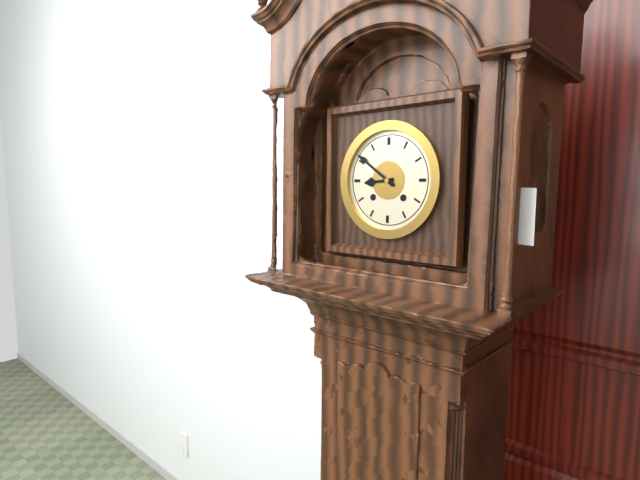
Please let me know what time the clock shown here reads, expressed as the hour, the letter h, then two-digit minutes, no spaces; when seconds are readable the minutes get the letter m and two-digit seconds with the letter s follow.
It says 8h51
